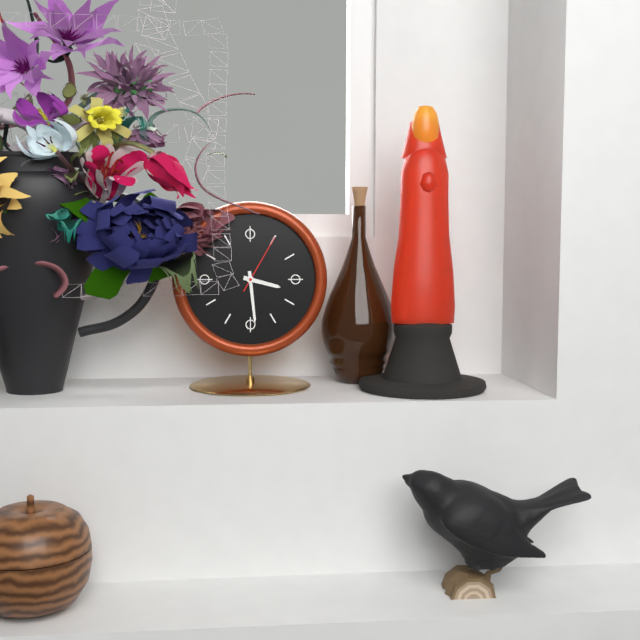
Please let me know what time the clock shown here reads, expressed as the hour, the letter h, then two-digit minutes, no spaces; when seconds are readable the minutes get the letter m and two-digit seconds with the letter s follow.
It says 3h29m05s
